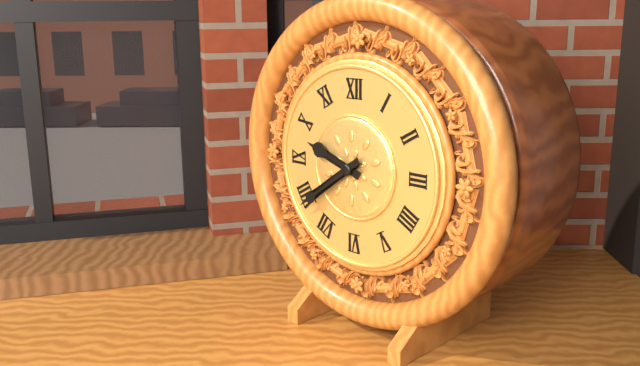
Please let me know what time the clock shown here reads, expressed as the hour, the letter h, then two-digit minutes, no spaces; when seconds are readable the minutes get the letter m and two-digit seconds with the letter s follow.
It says 9h39
